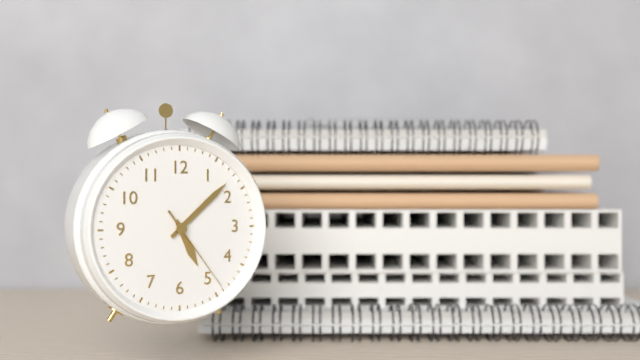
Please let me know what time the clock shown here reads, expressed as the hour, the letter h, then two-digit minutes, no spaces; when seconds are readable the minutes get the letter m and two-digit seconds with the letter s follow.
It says 5h08m24s
